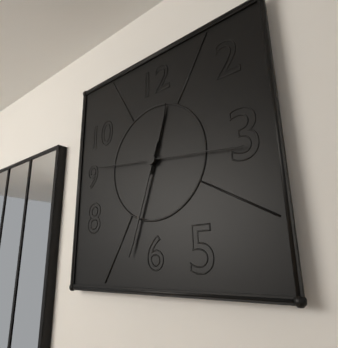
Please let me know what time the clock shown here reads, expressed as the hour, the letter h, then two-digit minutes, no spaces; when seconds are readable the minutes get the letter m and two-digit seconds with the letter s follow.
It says 12h33m16s
